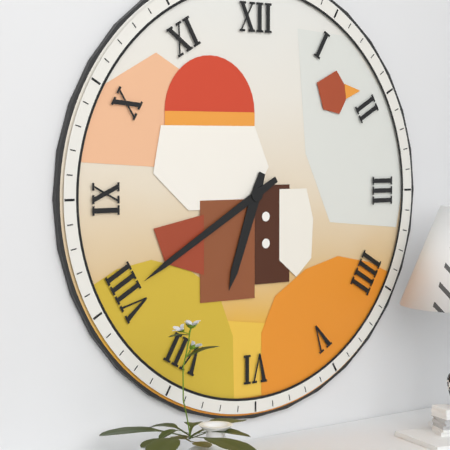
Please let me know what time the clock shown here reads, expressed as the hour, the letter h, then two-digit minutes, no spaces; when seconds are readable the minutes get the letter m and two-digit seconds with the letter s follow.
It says 6h40
